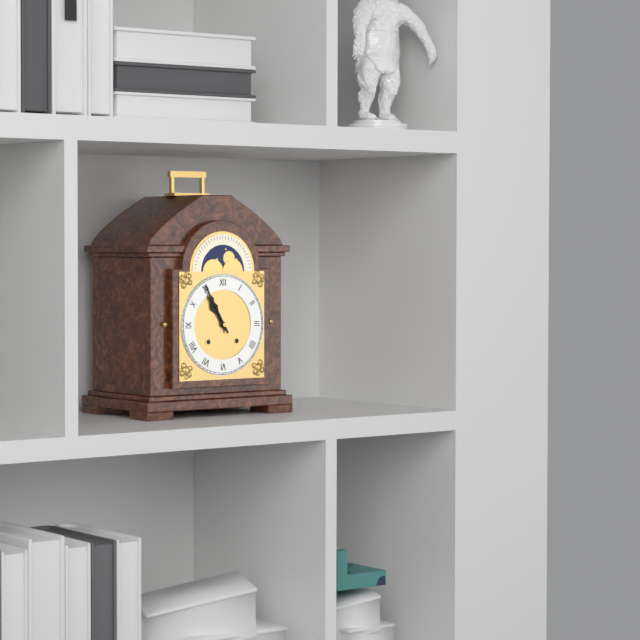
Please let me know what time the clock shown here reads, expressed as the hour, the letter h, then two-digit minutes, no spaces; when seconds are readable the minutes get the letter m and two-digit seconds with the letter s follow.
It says 10h55
